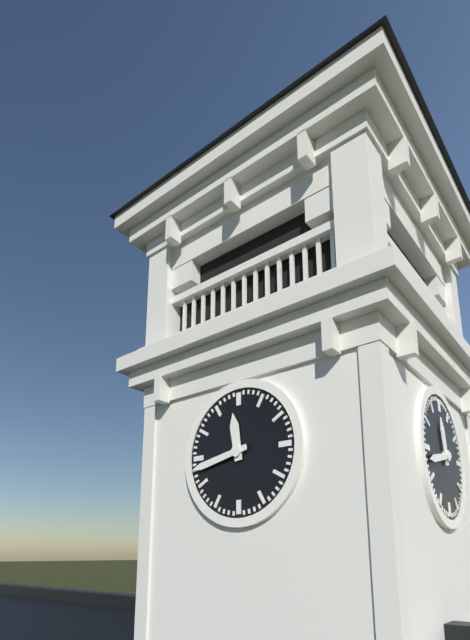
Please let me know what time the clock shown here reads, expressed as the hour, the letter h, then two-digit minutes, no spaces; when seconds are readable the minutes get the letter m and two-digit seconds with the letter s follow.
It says 11h43
